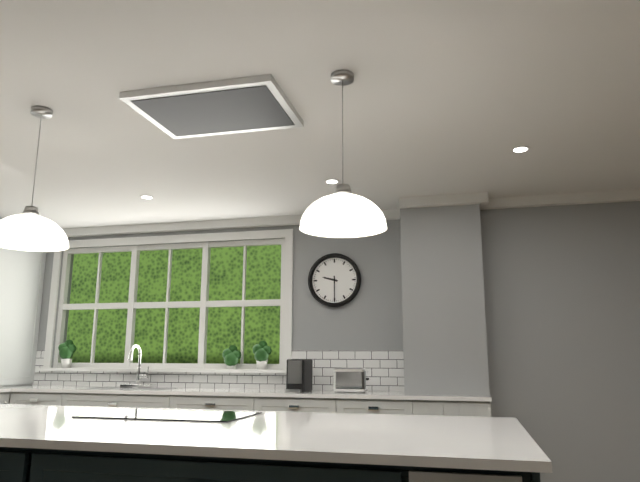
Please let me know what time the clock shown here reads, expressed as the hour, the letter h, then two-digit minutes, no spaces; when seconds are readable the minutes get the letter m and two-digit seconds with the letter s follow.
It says 9h30
